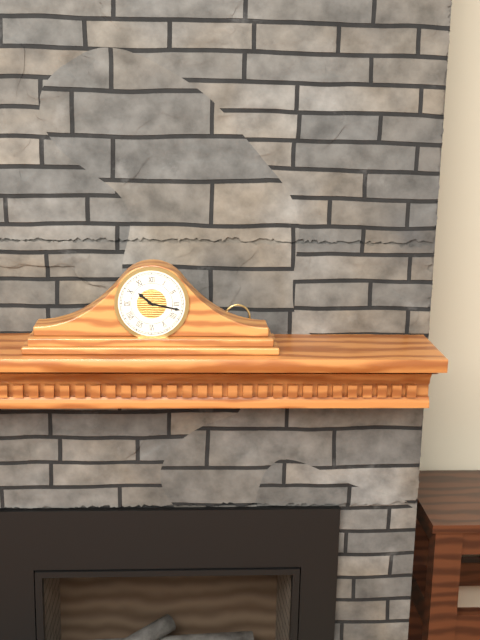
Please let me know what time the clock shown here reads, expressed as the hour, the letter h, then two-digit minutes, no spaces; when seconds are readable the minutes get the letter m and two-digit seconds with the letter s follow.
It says 10h17
